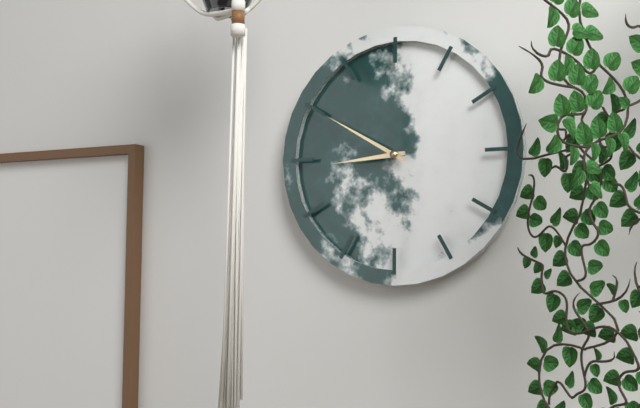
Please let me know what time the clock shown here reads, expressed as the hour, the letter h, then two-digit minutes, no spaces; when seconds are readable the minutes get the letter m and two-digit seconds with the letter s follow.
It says 8h50
